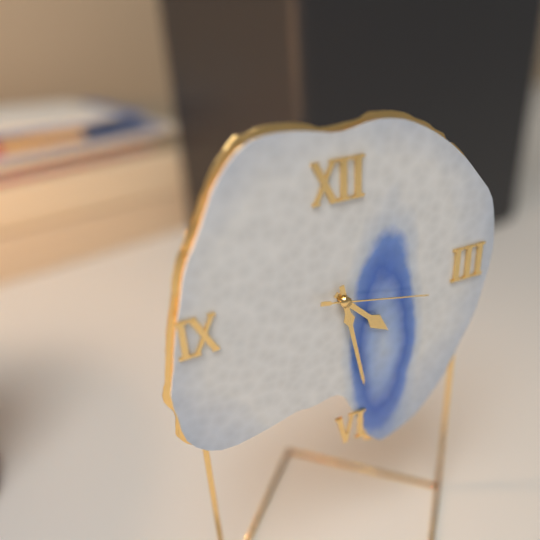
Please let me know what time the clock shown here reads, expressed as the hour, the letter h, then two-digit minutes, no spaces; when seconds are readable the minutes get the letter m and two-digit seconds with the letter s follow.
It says 4h28m17s
